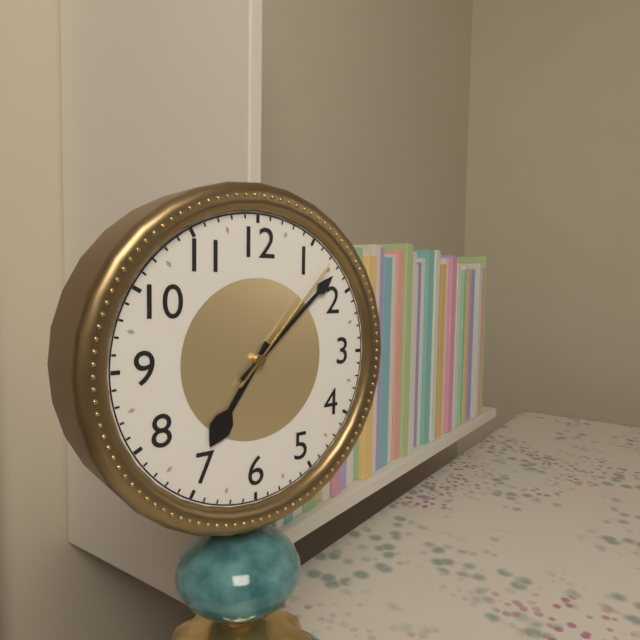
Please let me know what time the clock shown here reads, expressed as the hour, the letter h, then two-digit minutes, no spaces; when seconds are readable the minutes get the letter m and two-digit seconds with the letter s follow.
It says 7h08m07s
